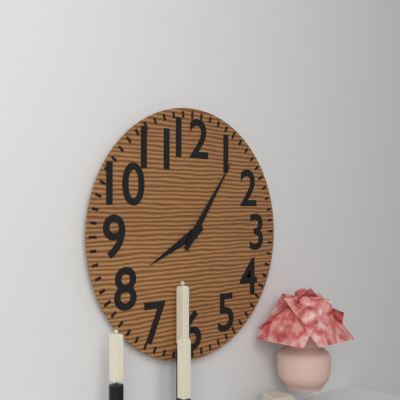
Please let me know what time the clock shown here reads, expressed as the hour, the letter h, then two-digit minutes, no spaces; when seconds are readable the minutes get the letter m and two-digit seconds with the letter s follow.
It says 8h06
